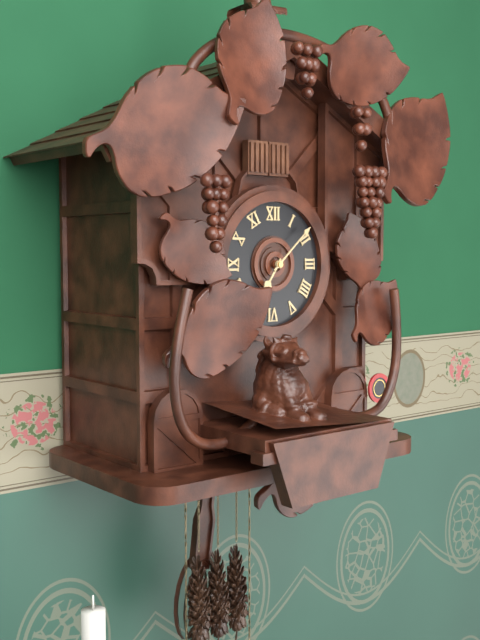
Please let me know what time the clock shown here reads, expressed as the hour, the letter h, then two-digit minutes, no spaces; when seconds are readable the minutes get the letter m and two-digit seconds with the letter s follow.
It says 7h08
